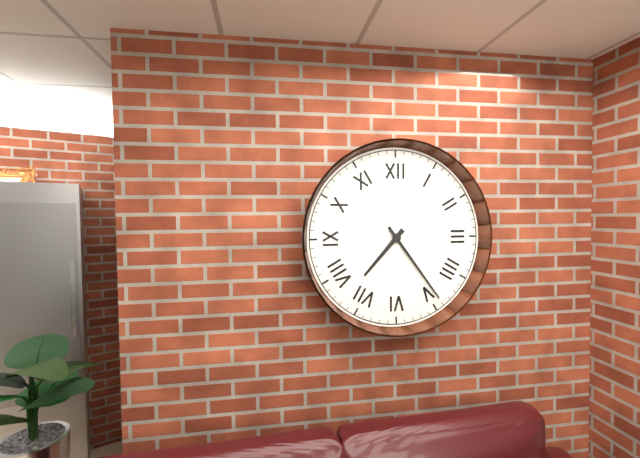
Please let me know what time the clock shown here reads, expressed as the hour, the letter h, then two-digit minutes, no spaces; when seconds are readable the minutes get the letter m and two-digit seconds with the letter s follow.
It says 7h24
